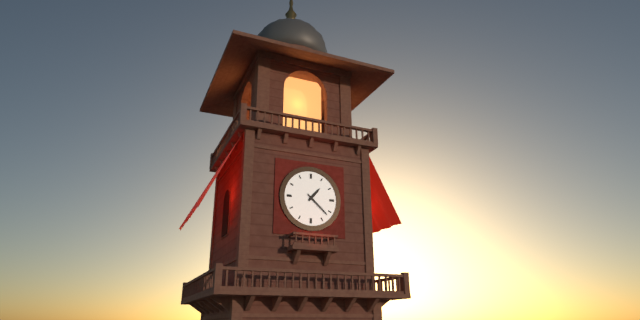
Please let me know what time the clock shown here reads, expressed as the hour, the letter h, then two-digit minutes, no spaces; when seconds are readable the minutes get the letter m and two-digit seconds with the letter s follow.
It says 1h22
